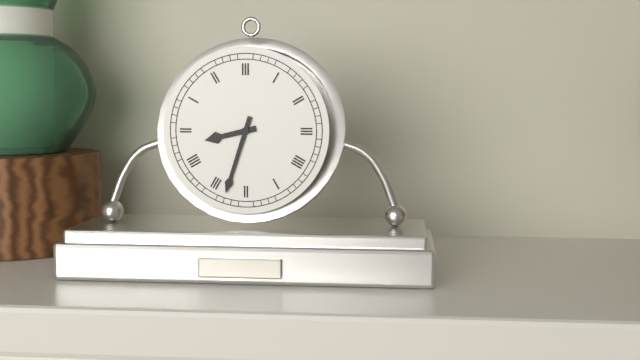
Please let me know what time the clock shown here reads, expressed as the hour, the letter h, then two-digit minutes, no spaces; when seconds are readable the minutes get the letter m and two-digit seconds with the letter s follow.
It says 8h33
